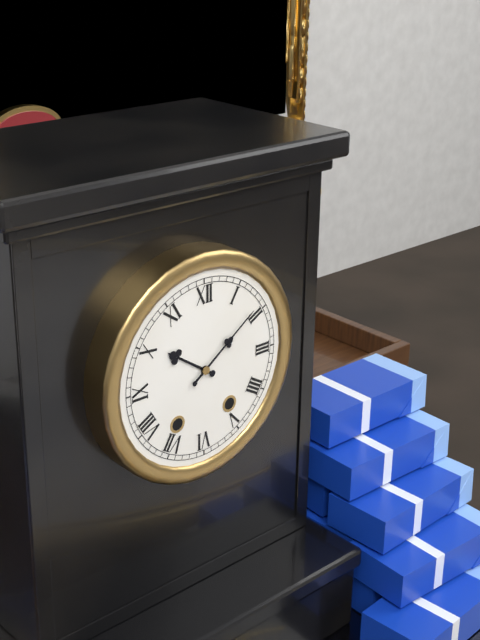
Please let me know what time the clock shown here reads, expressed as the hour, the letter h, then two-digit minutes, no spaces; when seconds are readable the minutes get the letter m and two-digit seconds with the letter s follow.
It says 10h09
